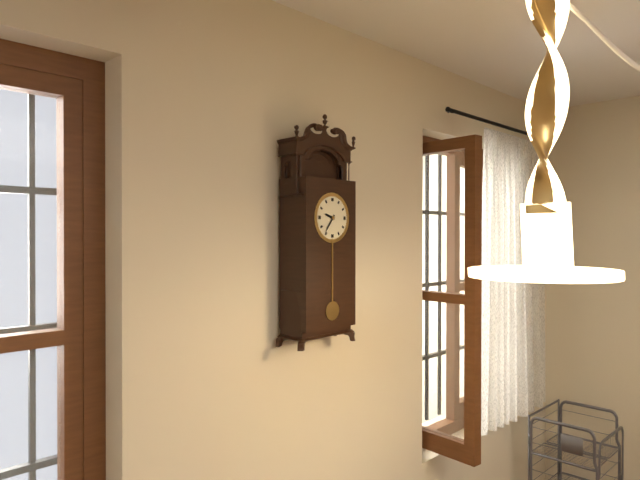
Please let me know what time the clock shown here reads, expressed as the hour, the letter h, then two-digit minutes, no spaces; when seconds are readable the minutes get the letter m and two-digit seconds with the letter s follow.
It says 9h36
